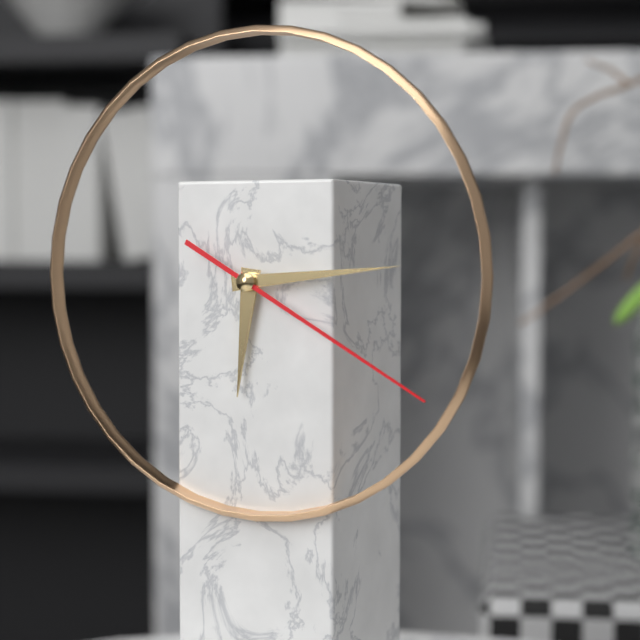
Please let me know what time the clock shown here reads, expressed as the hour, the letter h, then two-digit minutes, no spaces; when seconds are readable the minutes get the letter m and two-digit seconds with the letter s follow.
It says 6h14m20s
